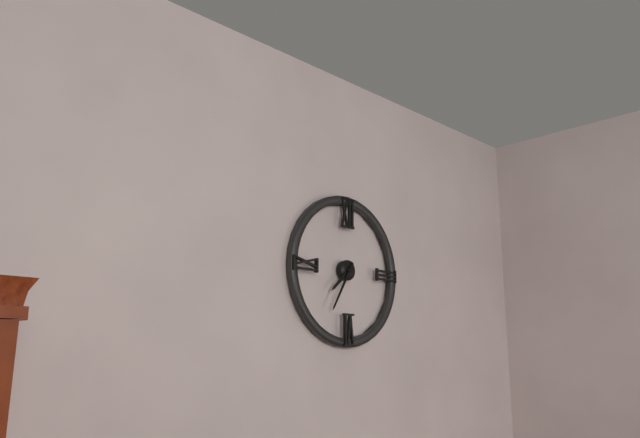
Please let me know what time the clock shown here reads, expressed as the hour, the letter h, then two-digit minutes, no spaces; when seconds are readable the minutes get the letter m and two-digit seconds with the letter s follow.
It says 7h35
